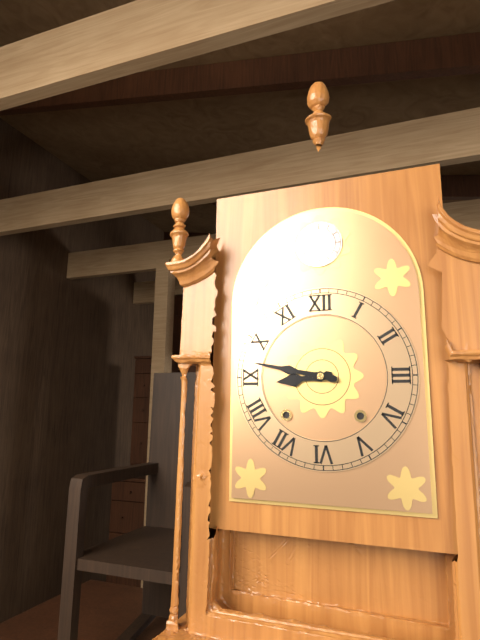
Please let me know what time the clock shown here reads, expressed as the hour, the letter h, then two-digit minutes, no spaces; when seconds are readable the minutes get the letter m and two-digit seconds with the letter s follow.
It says 8h47
